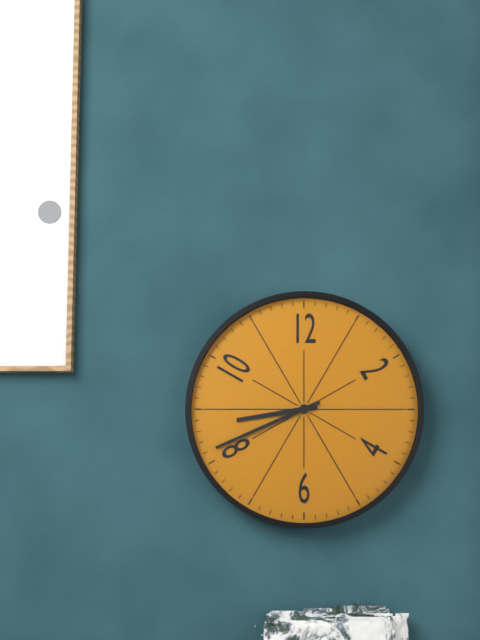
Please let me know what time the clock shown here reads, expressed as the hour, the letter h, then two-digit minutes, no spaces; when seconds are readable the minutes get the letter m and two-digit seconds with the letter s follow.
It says 8h41
